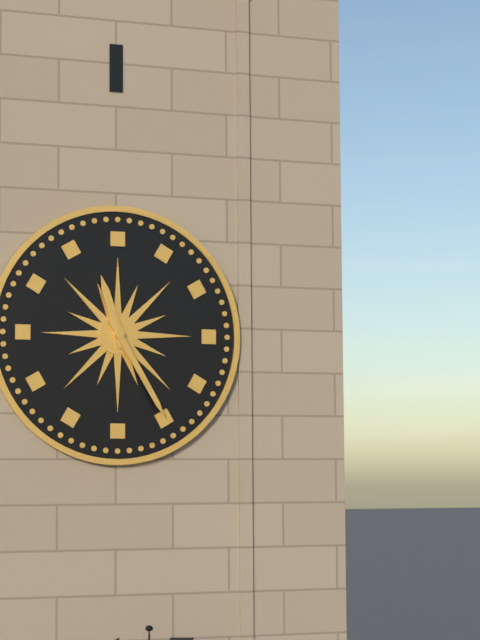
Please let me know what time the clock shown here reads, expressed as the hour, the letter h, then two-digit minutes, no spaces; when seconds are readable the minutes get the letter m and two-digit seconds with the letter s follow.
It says 11h25
